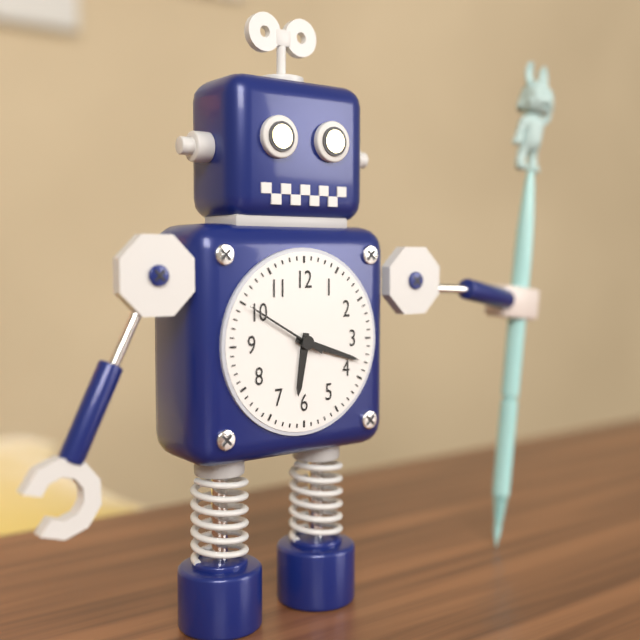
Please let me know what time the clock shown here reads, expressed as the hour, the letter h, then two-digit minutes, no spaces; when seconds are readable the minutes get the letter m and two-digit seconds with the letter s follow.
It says 6h18m50s
